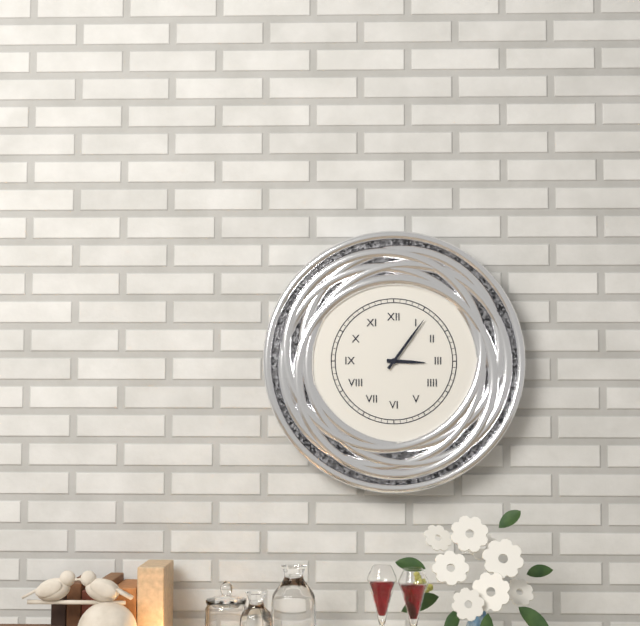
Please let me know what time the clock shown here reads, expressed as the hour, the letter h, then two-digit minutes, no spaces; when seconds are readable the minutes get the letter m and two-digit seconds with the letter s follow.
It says 3h06
